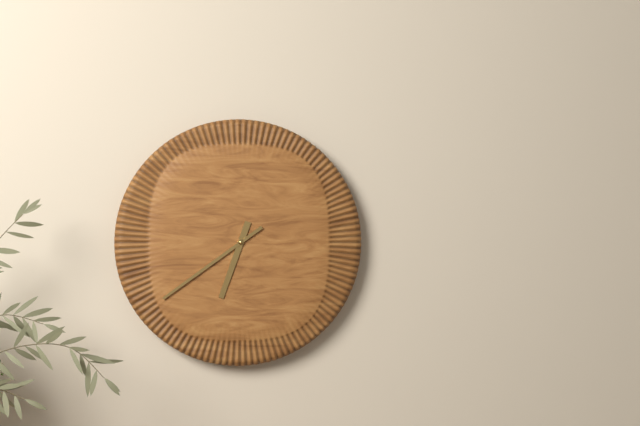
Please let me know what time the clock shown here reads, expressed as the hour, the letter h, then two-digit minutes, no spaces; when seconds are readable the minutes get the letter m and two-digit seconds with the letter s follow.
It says 6h39
